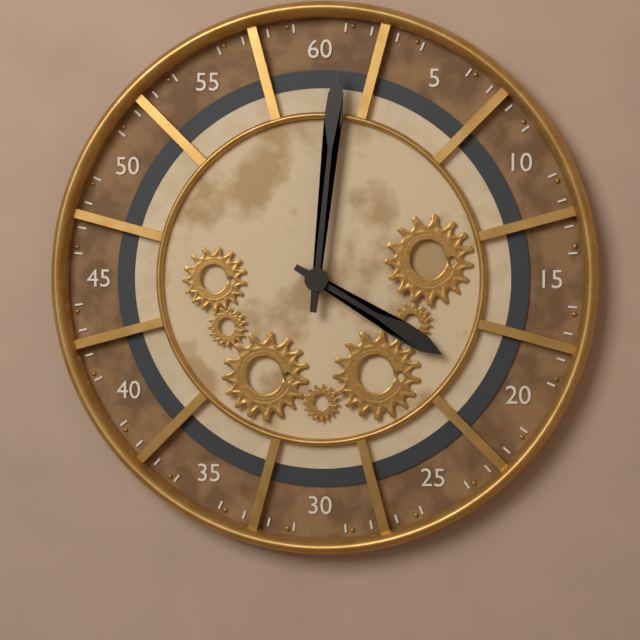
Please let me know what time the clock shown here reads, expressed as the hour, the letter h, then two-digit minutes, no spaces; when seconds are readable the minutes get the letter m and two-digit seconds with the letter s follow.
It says 4h01
